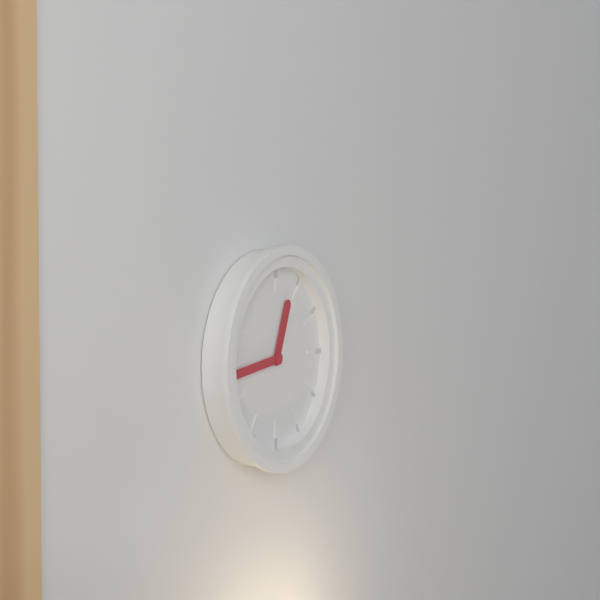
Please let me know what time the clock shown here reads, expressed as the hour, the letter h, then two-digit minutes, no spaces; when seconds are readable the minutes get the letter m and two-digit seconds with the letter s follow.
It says 12h44
